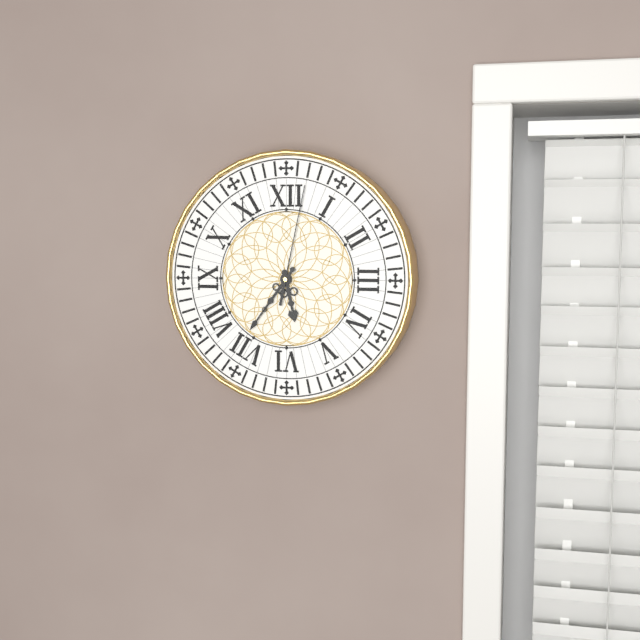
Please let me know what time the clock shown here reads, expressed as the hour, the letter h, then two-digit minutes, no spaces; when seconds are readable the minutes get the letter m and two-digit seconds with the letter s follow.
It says 5h36m02s
